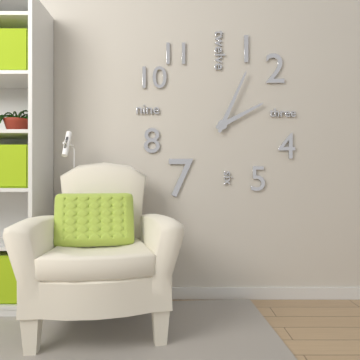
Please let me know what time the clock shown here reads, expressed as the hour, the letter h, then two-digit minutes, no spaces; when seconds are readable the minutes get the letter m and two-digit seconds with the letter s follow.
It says 2h04
